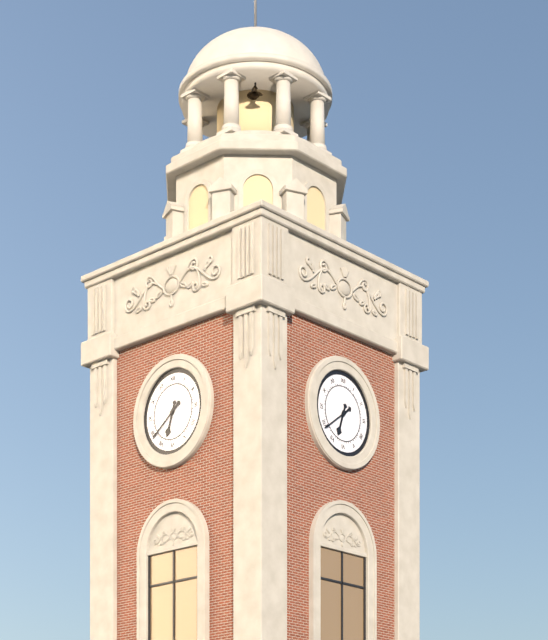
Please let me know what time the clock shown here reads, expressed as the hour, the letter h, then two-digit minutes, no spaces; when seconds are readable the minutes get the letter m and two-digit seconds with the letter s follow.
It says 6h39
